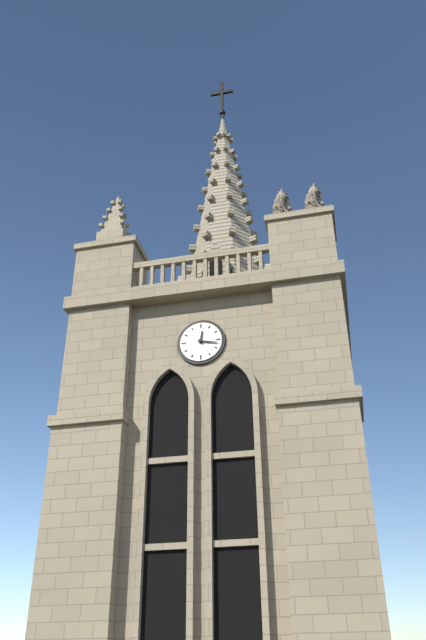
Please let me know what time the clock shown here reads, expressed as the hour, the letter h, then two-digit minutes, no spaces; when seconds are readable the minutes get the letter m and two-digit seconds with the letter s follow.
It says 12h17
